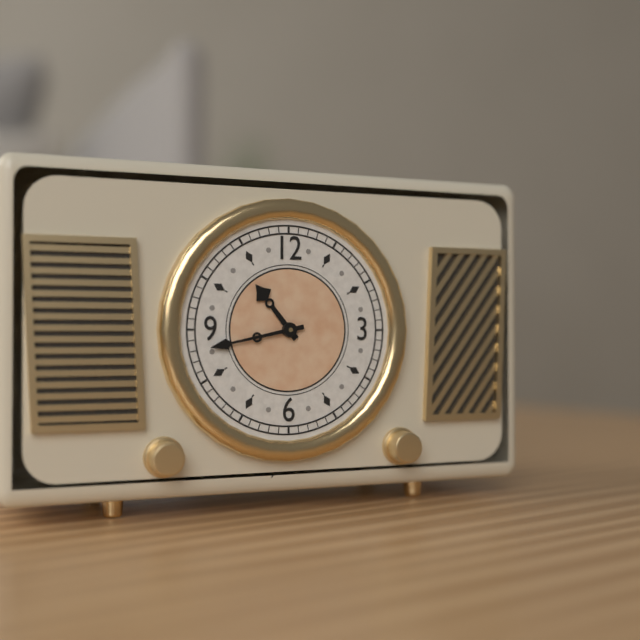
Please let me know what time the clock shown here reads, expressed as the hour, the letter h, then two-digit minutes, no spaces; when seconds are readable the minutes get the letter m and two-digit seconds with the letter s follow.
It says 10h43
